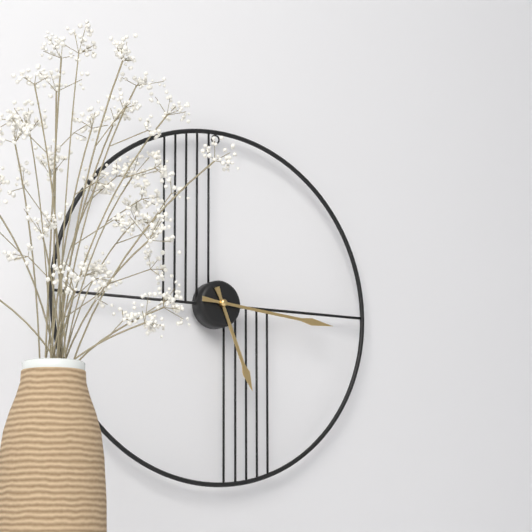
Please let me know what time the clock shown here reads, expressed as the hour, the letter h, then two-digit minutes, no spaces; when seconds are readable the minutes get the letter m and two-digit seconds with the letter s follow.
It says 5h16
